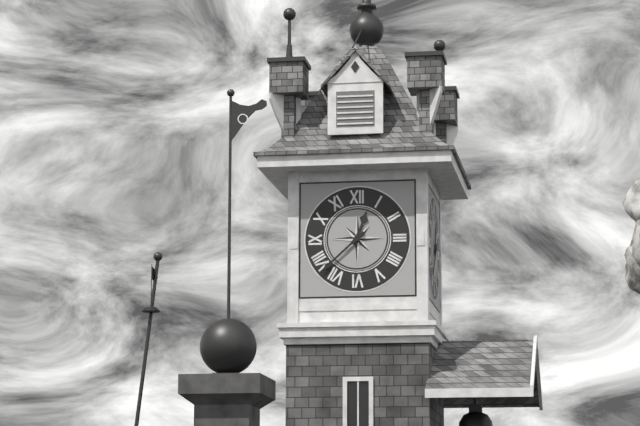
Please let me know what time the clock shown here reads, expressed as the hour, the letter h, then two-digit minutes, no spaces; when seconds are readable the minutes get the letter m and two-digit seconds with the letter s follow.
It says 12h38
